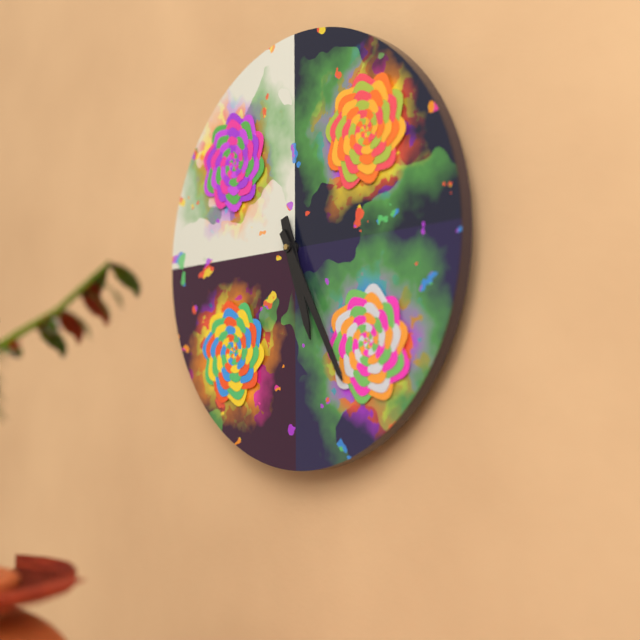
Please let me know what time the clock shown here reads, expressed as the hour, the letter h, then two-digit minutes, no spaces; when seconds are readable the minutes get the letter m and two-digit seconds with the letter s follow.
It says 5h25
